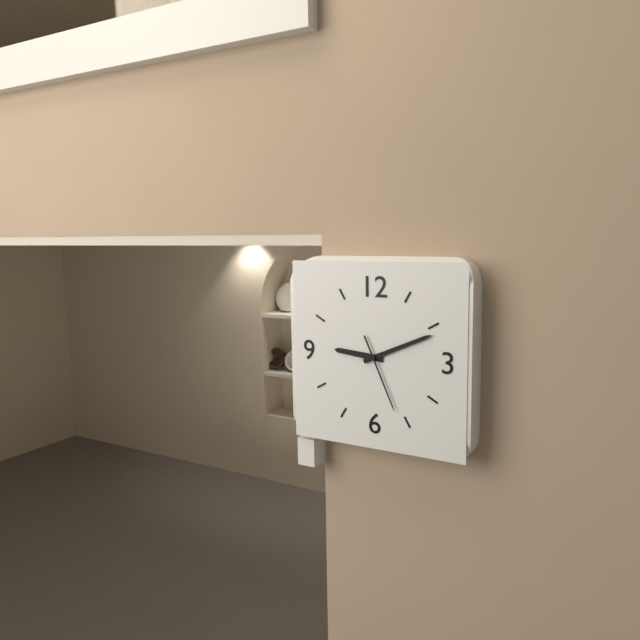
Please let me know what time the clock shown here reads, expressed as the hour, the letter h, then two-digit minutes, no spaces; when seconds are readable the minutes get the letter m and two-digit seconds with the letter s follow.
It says 9h11m26s
